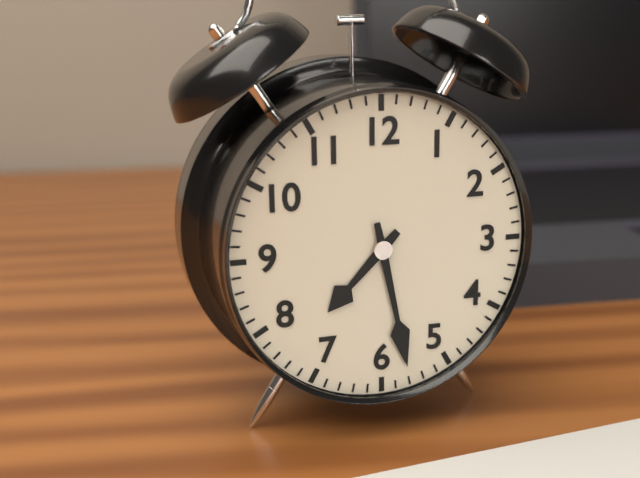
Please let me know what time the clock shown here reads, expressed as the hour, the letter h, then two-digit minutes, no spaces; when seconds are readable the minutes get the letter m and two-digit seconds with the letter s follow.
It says 7h28
